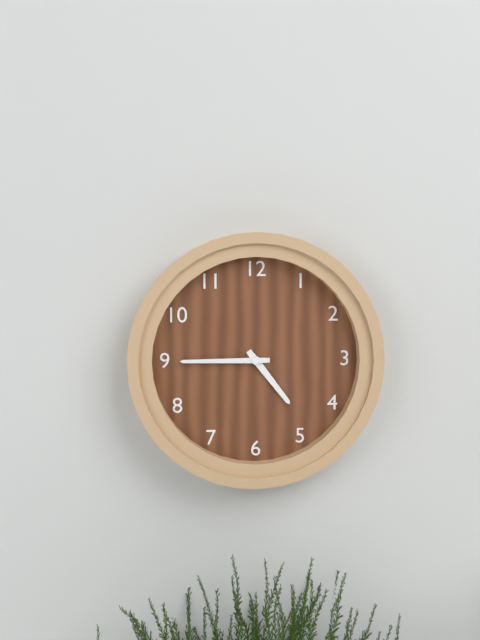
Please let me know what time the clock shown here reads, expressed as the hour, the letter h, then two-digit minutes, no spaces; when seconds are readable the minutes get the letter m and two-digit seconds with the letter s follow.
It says 4h45
